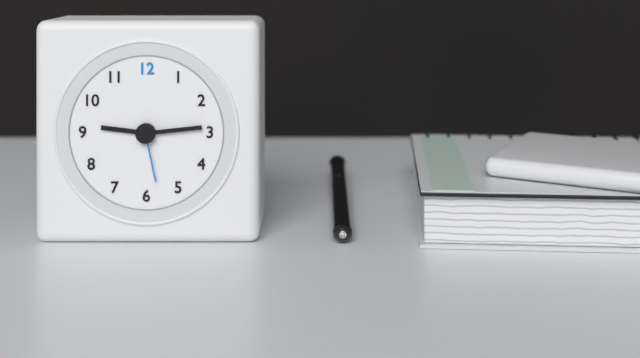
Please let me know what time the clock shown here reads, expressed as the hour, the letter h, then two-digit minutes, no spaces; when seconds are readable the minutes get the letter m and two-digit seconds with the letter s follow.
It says 9h14m28s
